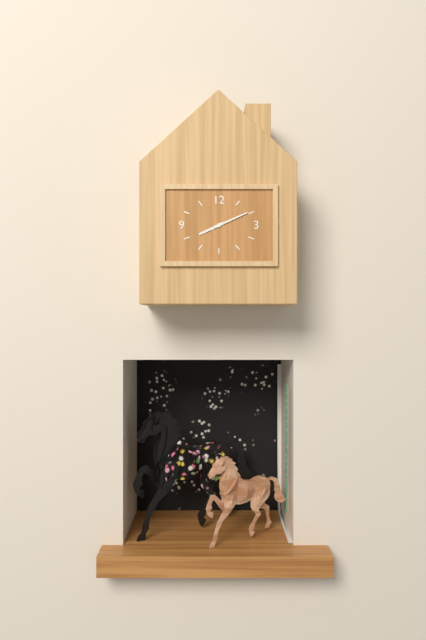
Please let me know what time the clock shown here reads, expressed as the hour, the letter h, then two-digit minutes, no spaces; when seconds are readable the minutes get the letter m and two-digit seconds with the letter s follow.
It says 8h11
